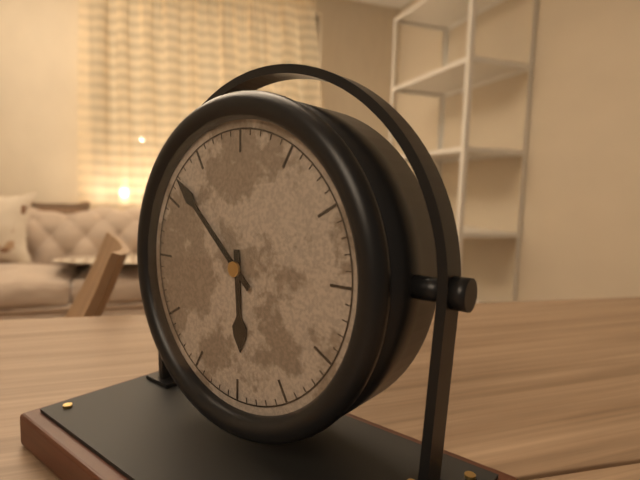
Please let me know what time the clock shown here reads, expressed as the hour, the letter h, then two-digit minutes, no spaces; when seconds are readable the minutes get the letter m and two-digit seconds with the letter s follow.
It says 5h52
